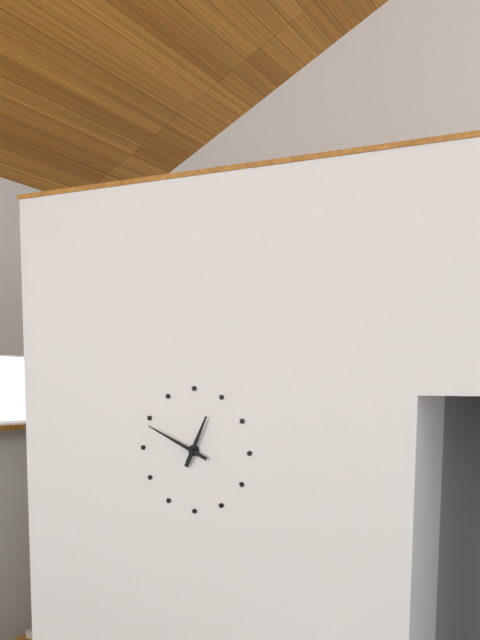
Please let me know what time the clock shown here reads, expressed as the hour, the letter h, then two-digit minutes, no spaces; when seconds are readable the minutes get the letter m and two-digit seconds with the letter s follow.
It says 12h49
